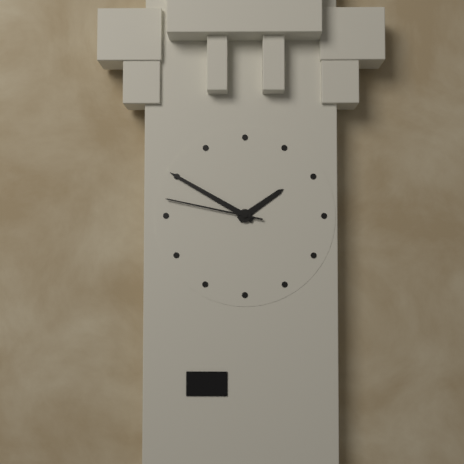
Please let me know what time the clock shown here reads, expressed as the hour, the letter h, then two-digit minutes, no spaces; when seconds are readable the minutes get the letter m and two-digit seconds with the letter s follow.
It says 1h50m47s
